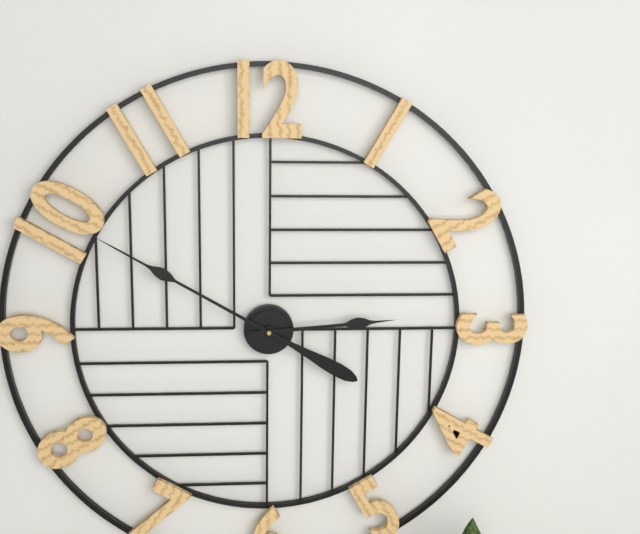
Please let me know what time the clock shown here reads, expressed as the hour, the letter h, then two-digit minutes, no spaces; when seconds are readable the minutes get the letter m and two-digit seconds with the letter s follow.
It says 2h50
